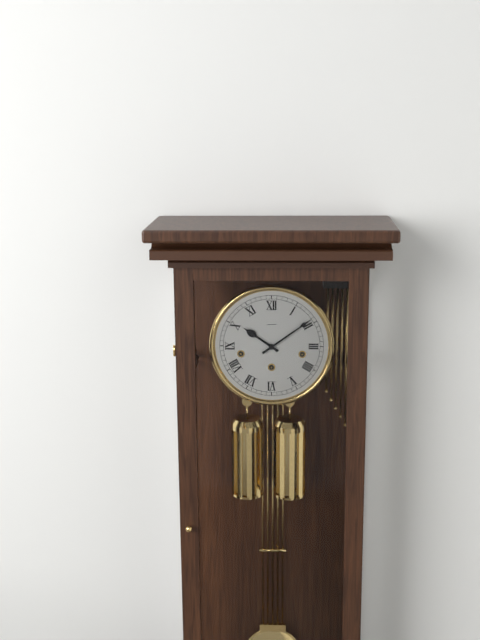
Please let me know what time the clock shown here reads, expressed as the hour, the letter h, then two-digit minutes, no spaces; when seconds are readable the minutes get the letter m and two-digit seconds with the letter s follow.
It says 10h09
